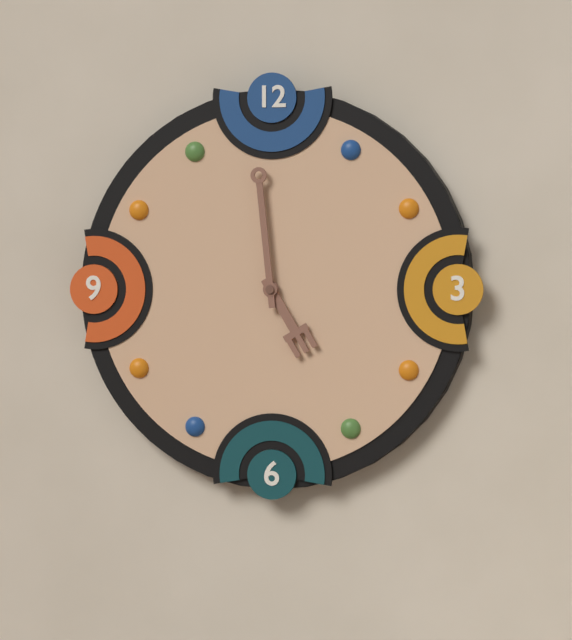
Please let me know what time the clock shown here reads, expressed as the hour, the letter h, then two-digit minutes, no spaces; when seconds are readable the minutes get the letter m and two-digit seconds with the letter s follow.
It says 4h59
